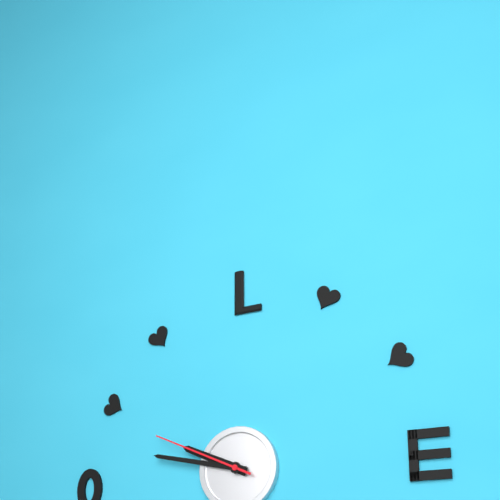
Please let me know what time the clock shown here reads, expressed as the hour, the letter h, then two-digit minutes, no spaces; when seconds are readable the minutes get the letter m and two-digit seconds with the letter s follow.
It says 9h47m49s
